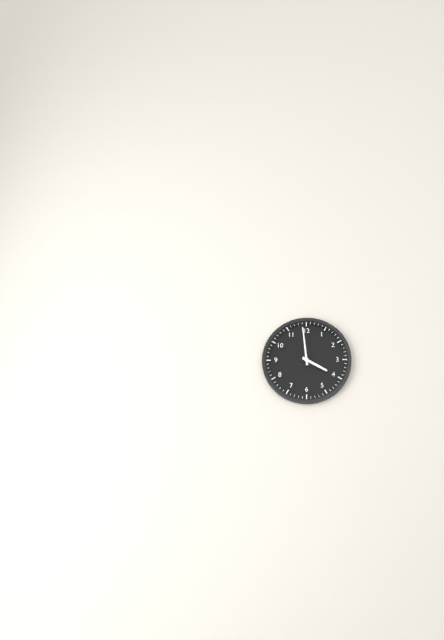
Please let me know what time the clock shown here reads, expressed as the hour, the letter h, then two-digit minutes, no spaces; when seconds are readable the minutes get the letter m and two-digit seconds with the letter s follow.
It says 3h59
